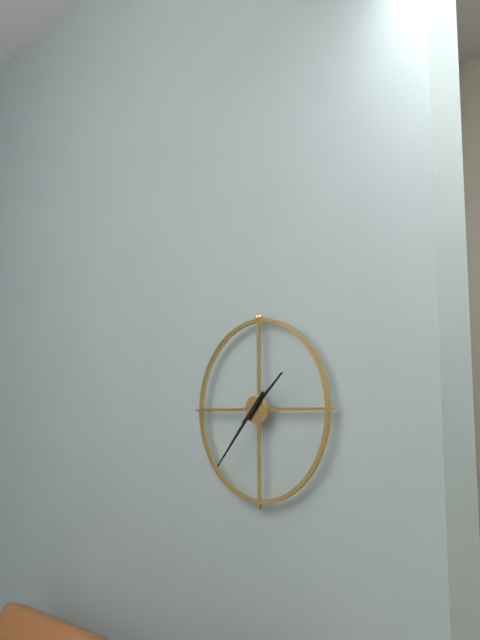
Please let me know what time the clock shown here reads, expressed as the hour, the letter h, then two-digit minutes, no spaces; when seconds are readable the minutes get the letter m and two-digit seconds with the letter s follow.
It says 1h37
